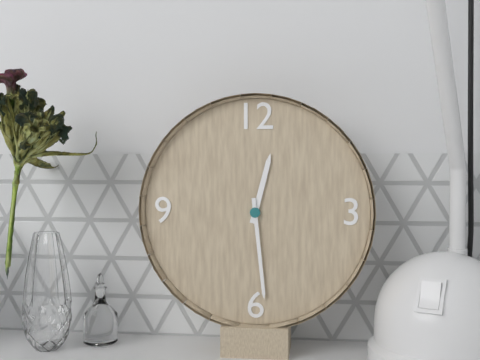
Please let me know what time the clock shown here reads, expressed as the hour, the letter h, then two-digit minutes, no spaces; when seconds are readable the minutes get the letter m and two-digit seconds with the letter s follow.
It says 12h29
